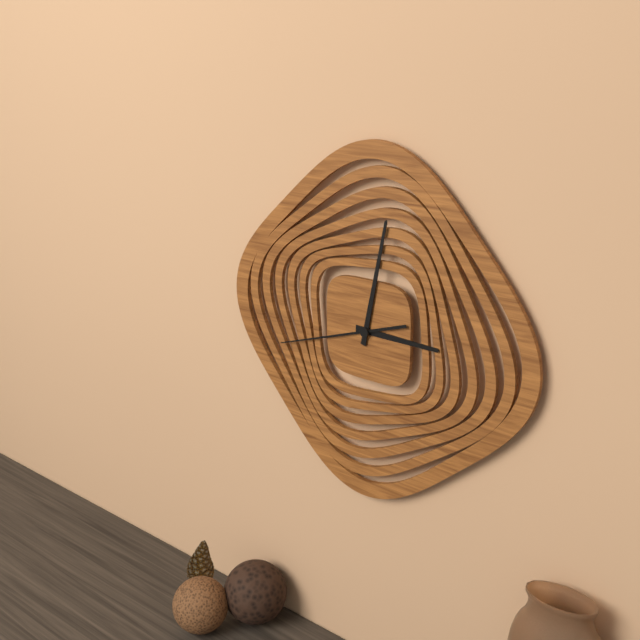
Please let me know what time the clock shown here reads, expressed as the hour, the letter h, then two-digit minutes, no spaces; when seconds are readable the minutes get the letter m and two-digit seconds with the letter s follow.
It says 3h02m42s
